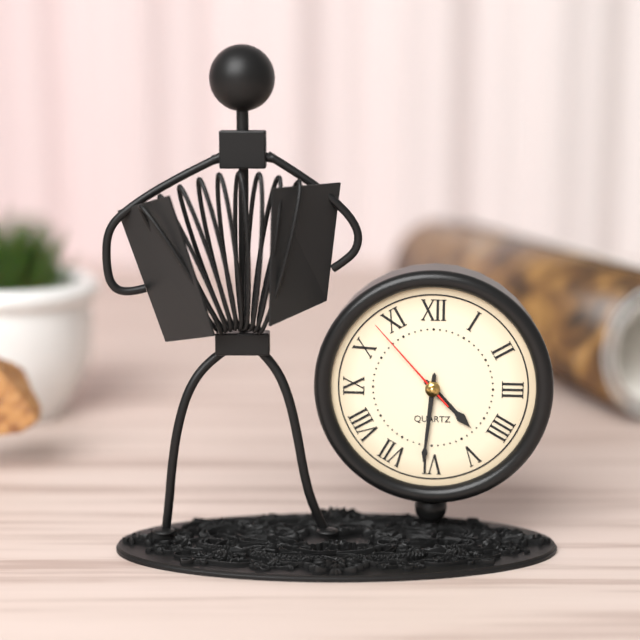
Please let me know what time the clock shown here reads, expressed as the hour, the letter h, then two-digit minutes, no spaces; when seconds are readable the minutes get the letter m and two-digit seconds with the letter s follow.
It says 4h31m53s
